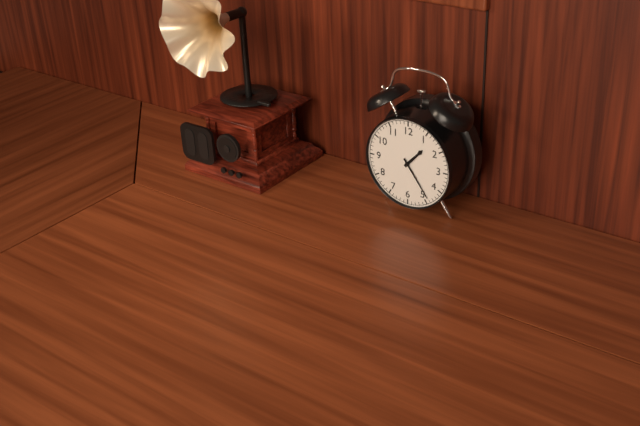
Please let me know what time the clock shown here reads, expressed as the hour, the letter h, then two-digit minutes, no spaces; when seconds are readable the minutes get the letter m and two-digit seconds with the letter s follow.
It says 1h24
